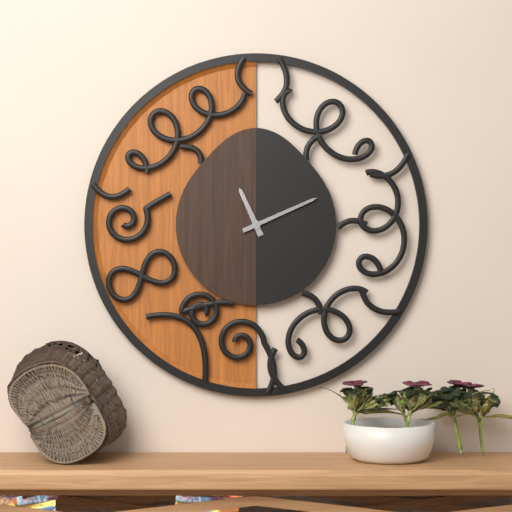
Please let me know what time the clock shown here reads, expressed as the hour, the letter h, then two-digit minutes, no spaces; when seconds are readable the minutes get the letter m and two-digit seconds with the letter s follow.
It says 11h11
